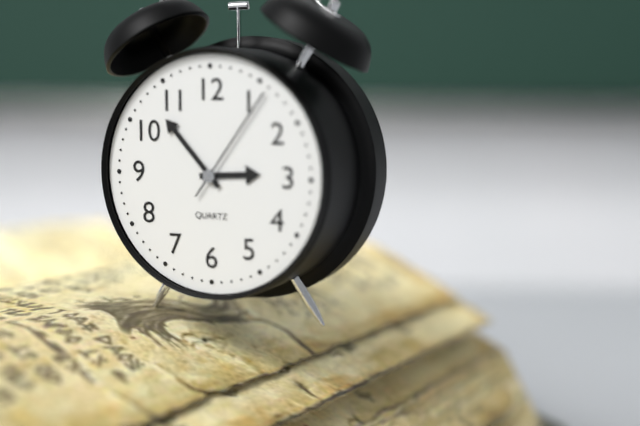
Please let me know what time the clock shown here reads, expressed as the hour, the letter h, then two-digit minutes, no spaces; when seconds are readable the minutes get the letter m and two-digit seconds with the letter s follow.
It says 2h53m06s
